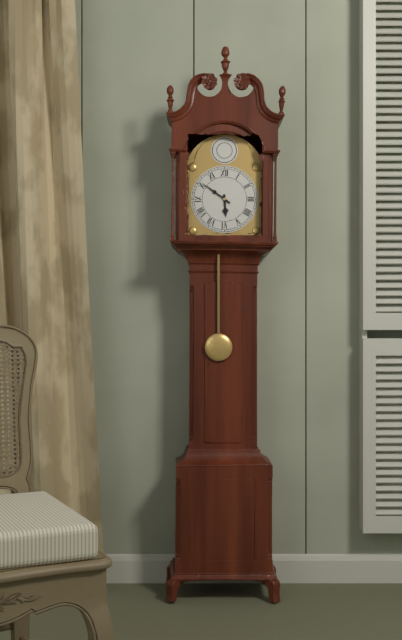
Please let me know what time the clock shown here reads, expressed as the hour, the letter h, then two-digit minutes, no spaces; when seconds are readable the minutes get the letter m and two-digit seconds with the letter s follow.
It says 5h51
